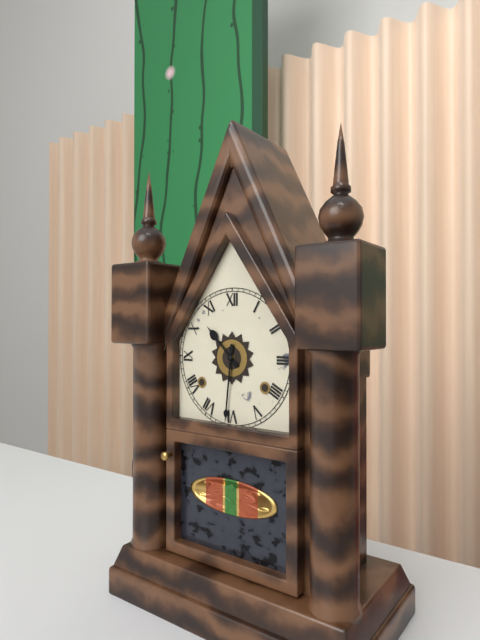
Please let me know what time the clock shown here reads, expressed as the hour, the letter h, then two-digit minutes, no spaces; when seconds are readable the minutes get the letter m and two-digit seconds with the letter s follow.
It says 10h31
